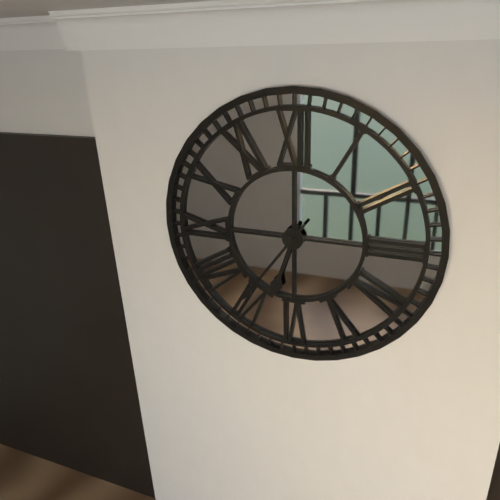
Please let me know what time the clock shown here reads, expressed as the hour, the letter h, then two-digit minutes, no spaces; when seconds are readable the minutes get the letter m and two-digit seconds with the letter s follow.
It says 6h36
